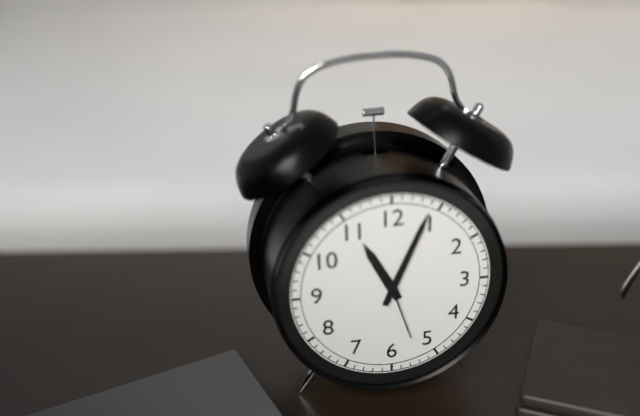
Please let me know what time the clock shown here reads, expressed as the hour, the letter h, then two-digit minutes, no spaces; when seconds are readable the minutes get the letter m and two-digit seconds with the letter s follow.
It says 11h04m27s
